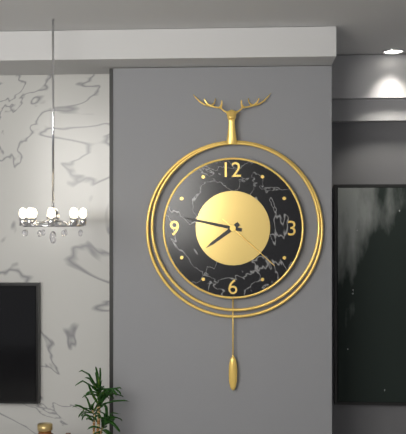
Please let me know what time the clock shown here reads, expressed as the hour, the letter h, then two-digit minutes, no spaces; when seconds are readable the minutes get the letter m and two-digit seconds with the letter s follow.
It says 7h47m22s
